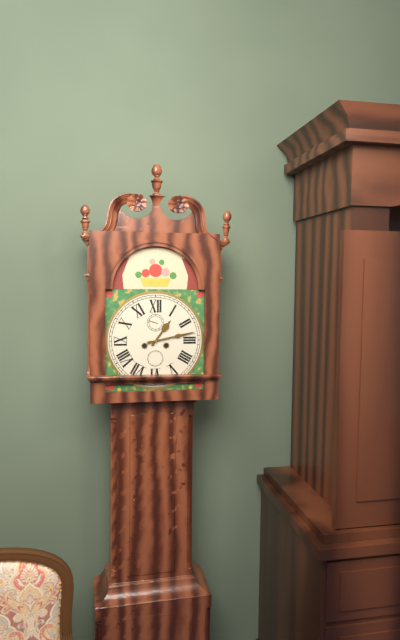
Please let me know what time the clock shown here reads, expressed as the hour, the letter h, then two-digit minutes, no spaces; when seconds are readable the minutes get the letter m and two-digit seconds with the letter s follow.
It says 1h13
